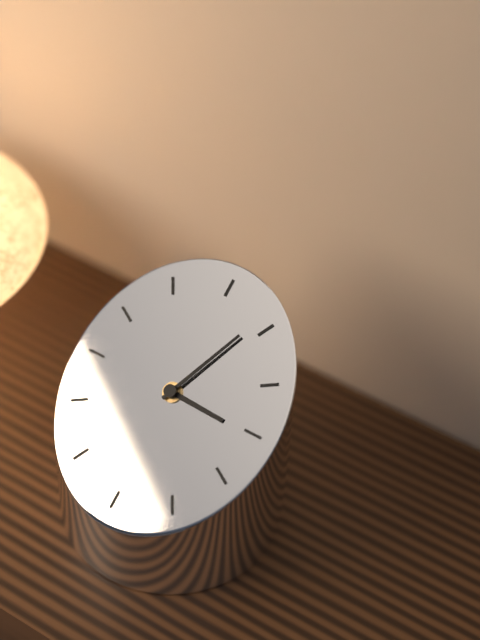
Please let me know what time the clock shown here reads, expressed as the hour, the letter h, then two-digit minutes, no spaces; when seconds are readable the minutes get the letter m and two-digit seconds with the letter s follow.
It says 3h04
